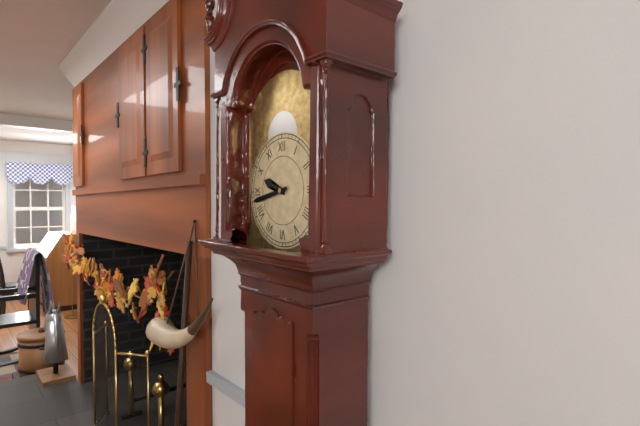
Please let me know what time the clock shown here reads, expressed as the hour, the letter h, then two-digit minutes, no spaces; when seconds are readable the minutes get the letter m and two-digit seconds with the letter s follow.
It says 9h43
